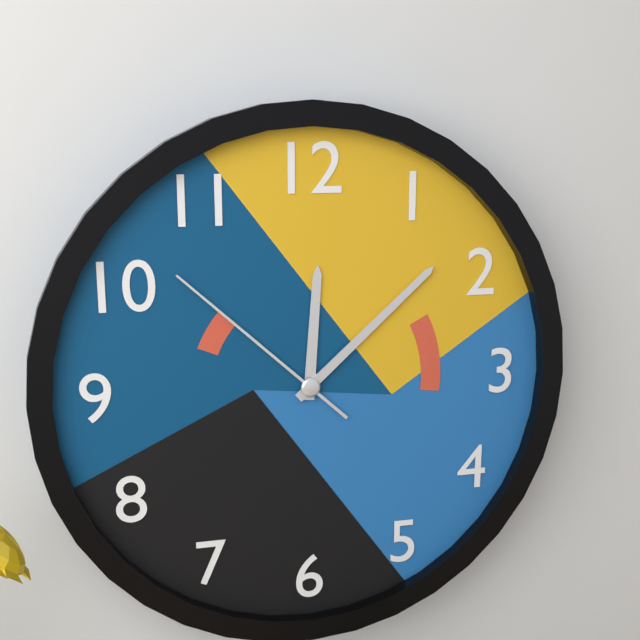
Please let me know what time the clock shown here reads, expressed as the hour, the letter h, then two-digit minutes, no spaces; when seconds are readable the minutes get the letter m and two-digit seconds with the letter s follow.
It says 12h08m52s
